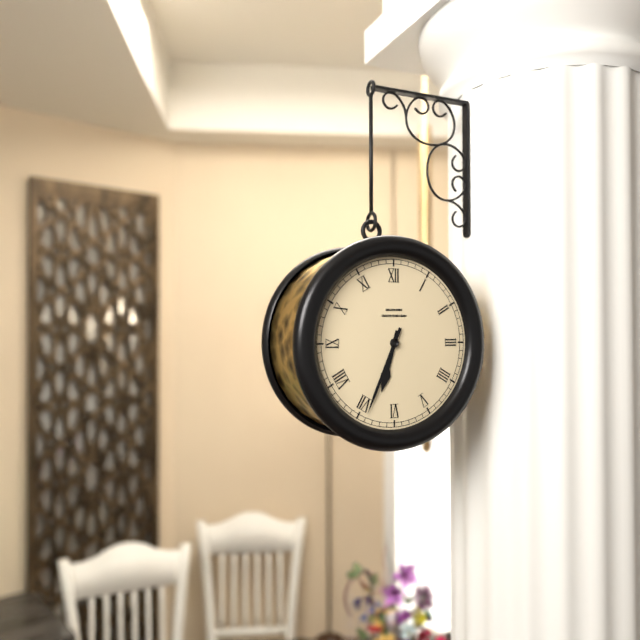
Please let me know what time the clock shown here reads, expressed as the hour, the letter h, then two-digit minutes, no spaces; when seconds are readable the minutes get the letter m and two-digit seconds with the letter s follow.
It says 6h34
